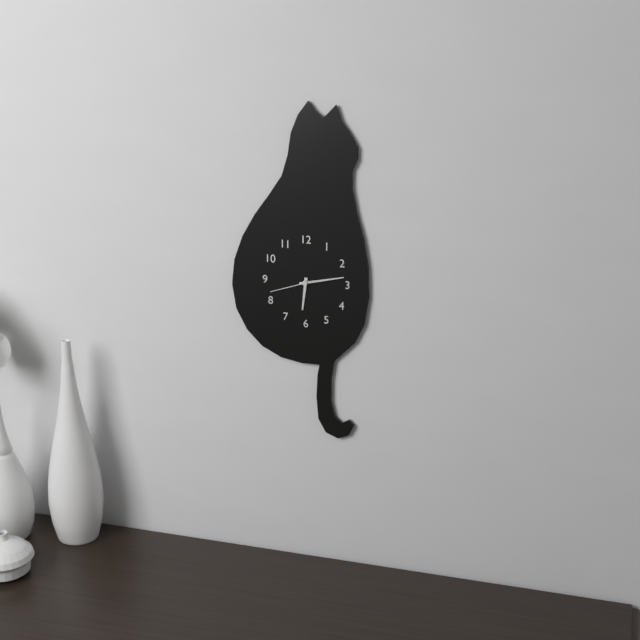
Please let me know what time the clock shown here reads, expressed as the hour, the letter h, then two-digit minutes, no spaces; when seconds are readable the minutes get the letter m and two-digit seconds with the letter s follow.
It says 6h13
